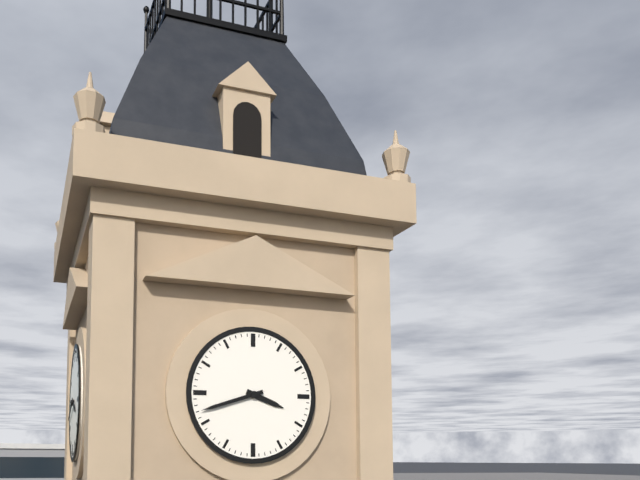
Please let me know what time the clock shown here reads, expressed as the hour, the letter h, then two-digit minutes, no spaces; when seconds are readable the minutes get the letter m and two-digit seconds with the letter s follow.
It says 3h42
